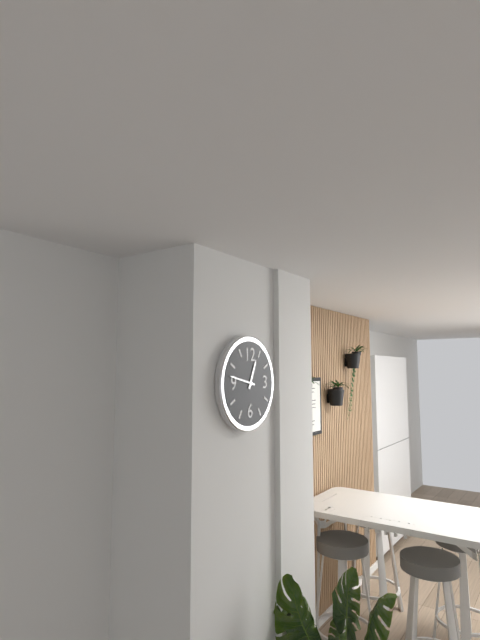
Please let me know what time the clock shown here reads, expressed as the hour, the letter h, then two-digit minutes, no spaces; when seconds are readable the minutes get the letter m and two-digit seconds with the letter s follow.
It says 12h47
